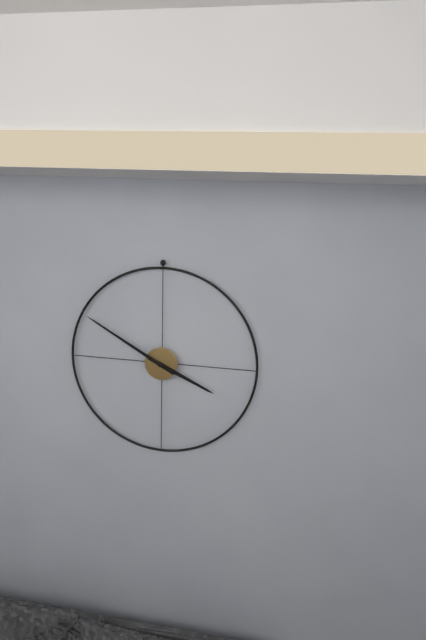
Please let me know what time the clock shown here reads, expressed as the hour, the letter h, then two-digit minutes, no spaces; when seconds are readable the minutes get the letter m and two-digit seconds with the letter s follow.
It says 3h50
